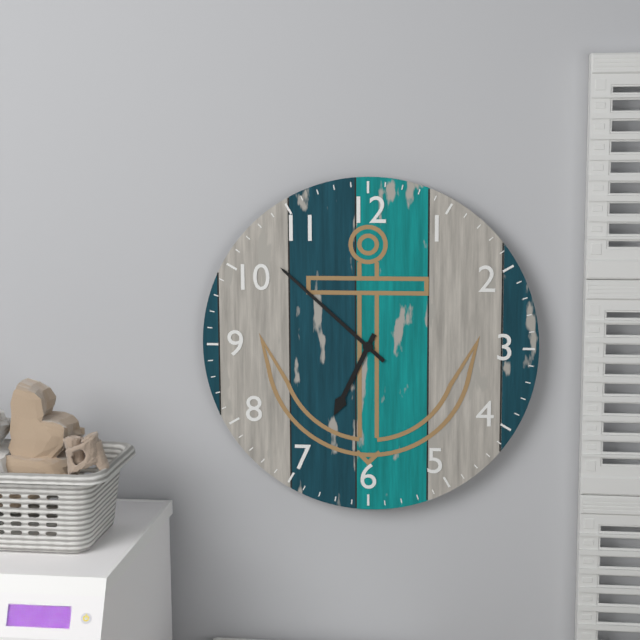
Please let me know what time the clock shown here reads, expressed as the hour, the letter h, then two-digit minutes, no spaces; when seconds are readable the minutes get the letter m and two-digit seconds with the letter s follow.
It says 6h52
